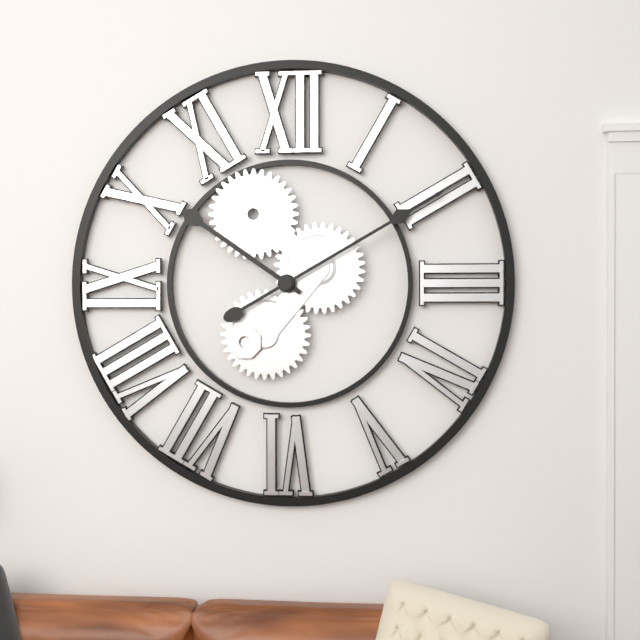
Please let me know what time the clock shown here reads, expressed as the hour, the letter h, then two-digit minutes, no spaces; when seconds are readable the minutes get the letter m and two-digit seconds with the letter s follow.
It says 10h10
